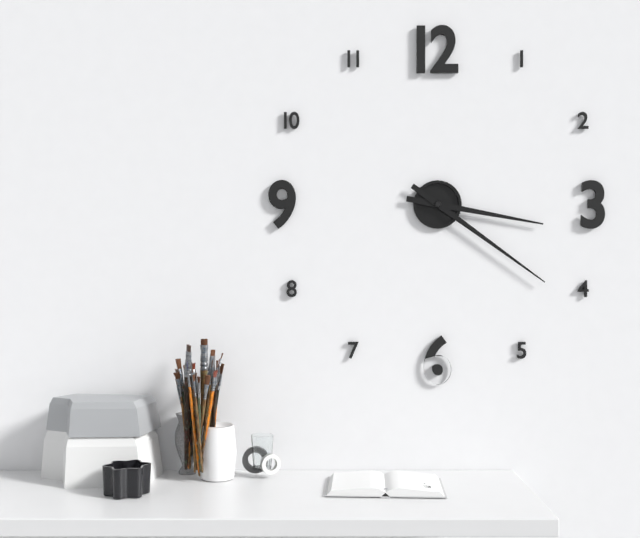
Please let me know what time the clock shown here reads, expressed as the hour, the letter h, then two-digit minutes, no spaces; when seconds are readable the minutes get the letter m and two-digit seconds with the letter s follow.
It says 3h21
